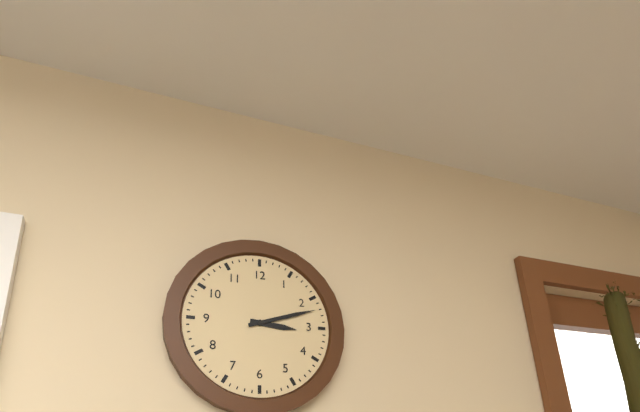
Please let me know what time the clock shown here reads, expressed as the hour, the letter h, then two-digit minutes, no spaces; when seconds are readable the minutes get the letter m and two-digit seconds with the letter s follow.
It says 3h12
